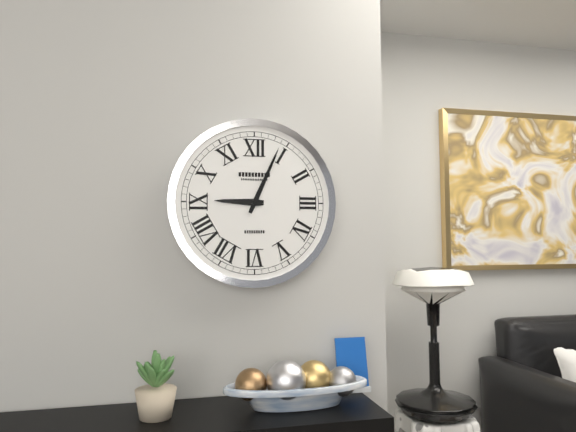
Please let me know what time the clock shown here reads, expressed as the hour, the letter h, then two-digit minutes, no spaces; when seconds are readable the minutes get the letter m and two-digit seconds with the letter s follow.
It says 9h04
